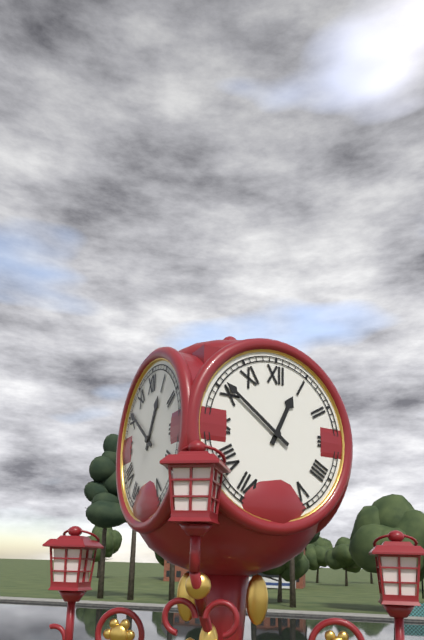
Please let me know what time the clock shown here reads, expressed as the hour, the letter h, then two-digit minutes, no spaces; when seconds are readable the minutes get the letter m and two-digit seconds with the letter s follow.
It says 12h51
